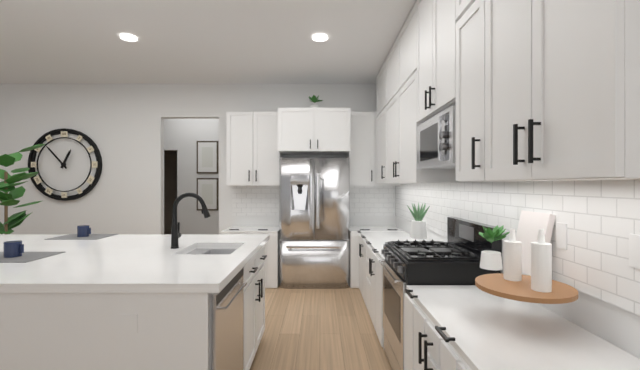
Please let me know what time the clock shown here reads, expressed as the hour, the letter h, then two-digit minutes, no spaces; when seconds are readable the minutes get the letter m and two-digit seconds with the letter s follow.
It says 12h53
